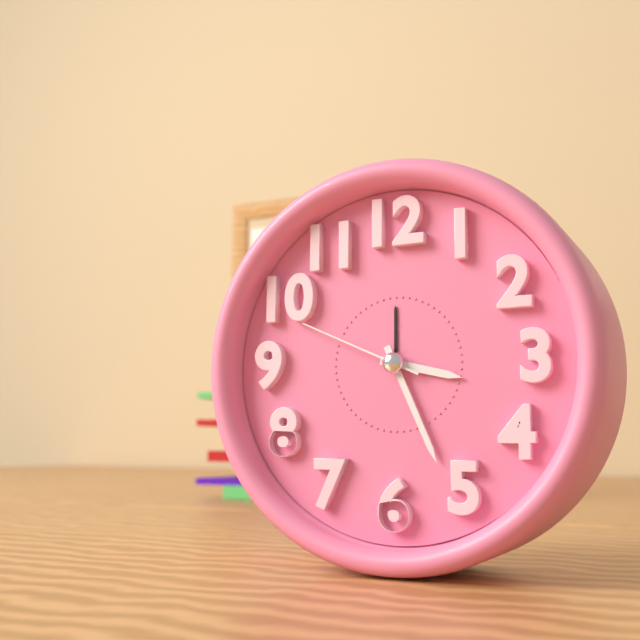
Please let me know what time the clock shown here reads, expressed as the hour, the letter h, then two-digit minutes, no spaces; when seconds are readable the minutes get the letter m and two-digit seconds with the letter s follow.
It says 3h26m49s
